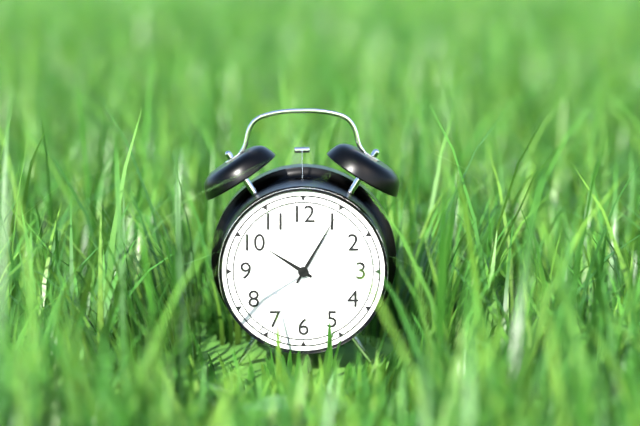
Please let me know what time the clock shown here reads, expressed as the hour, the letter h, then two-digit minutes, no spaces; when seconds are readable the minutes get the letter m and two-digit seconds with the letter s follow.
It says 10h05
